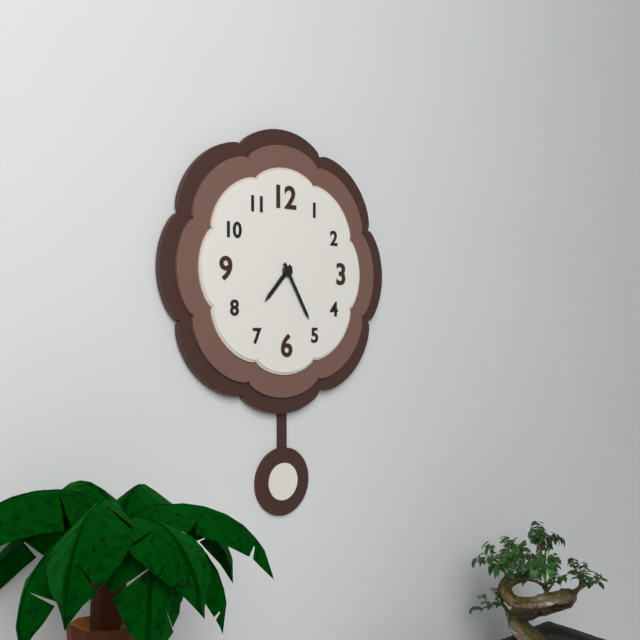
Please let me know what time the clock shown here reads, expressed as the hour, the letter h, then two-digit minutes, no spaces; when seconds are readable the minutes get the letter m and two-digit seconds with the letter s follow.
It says 7h25
